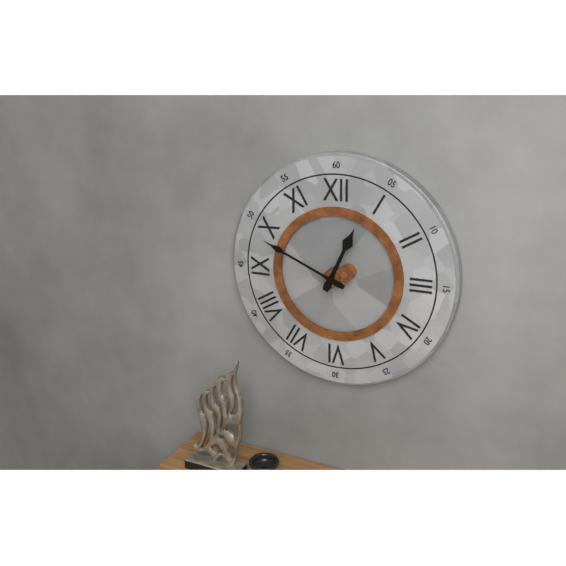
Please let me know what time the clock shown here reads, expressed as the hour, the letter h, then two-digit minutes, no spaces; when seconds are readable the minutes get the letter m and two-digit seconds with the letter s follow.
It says 12h49
